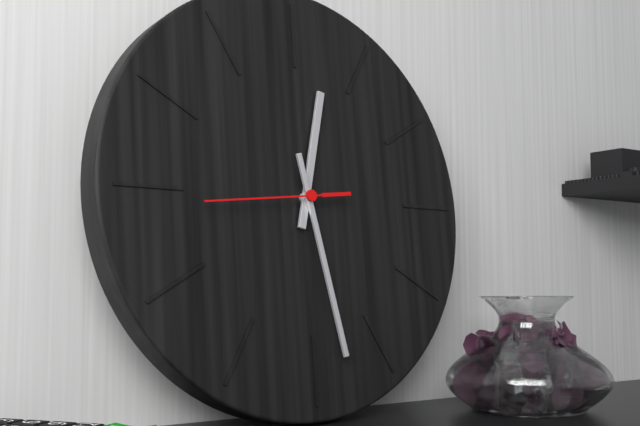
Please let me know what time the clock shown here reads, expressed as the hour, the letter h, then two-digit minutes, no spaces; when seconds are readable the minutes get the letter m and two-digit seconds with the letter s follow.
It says 12h28m44s
